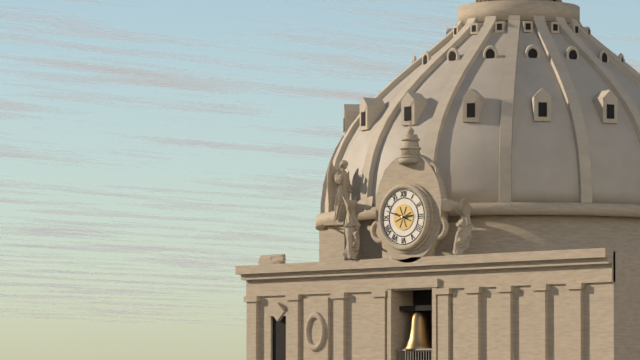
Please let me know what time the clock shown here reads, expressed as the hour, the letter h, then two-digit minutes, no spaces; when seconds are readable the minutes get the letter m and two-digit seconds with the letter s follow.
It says 2h48
